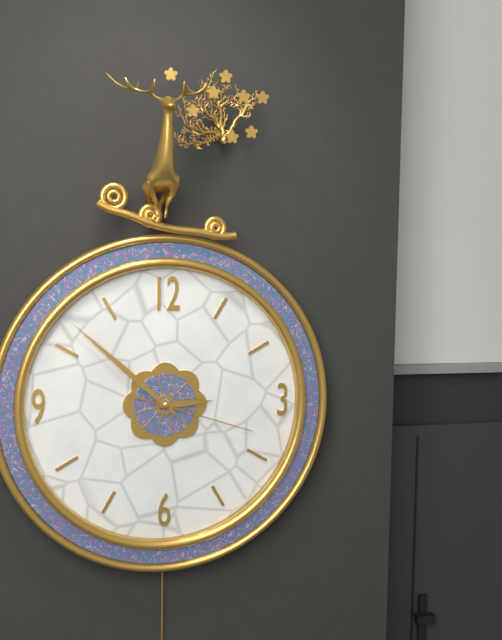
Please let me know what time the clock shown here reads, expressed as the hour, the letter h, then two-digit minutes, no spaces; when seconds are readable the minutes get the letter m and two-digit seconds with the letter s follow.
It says 2h52m18s
